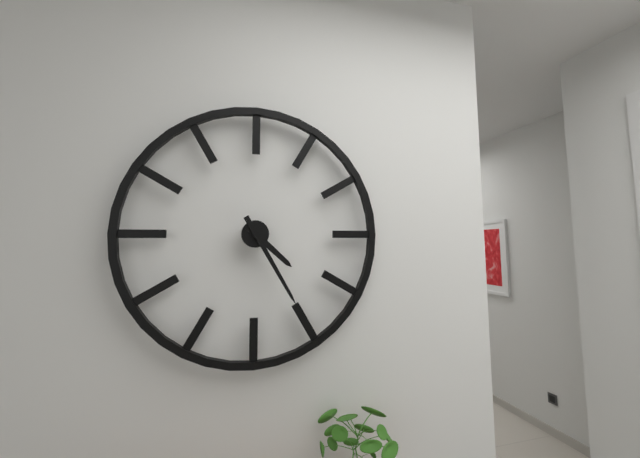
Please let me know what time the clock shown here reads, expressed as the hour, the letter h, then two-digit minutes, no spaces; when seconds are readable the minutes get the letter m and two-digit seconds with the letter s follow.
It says 4h25
